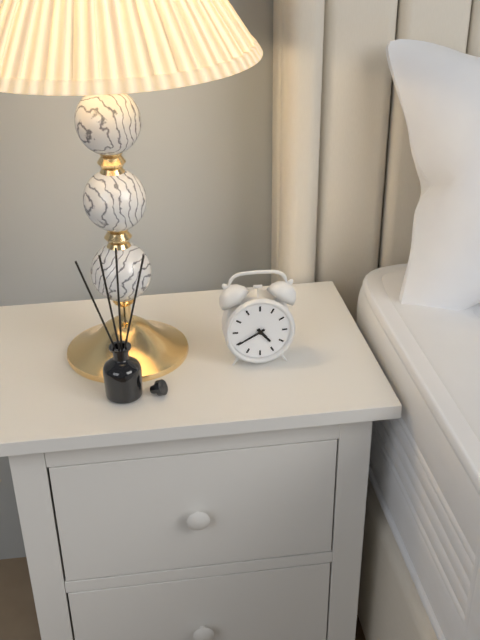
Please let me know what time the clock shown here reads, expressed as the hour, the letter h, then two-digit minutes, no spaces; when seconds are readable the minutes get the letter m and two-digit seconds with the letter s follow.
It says 4h40
